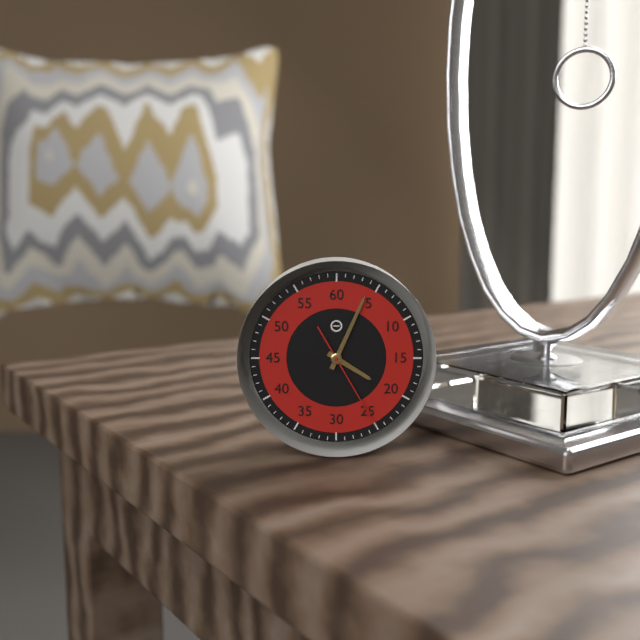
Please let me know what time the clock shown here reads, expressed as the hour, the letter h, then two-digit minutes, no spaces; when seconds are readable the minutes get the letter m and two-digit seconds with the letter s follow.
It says 4h04m25s
